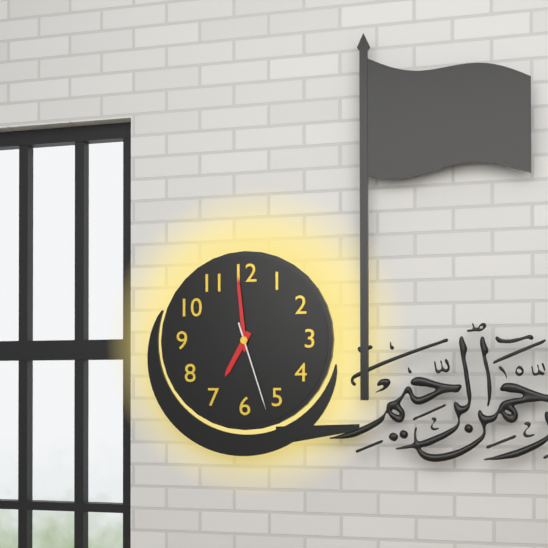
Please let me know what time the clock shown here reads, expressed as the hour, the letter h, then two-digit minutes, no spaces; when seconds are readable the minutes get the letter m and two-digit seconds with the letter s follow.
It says 6h59m27s
